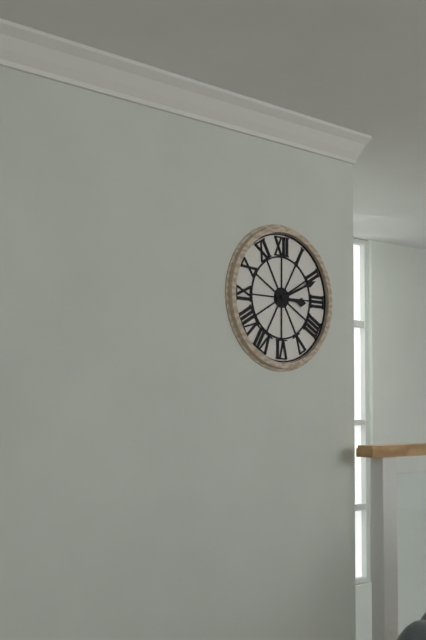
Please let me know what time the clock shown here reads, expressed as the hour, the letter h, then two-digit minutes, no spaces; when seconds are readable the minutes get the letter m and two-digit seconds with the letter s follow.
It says 3h11
